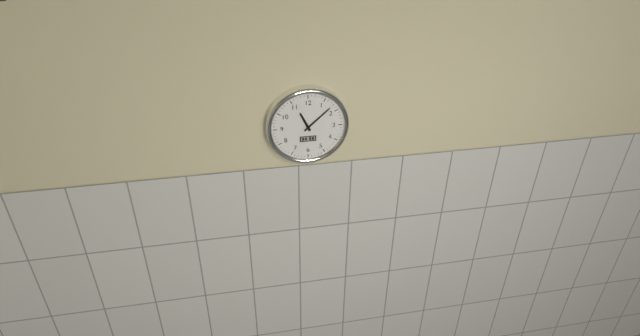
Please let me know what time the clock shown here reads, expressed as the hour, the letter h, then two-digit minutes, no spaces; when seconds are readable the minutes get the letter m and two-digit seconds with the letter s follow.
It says 11h08
